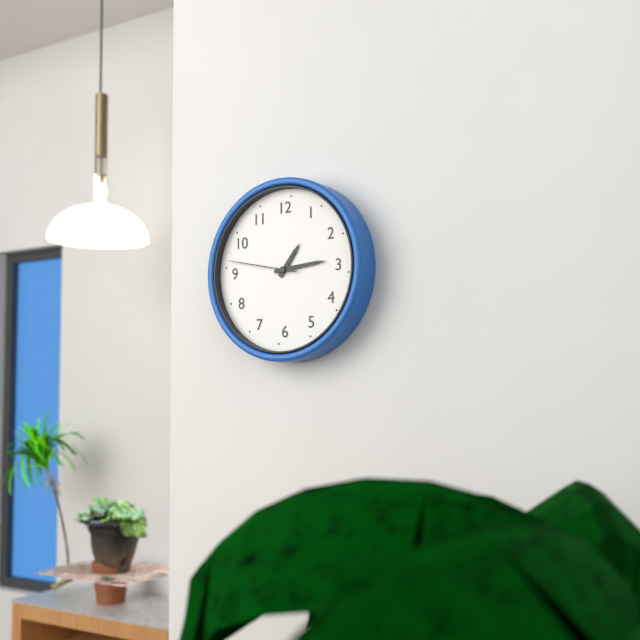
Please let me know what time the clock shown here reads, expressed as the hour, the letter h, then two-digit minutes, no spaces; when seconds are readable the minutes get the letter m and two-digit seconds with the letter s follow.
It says 1h14m47s
